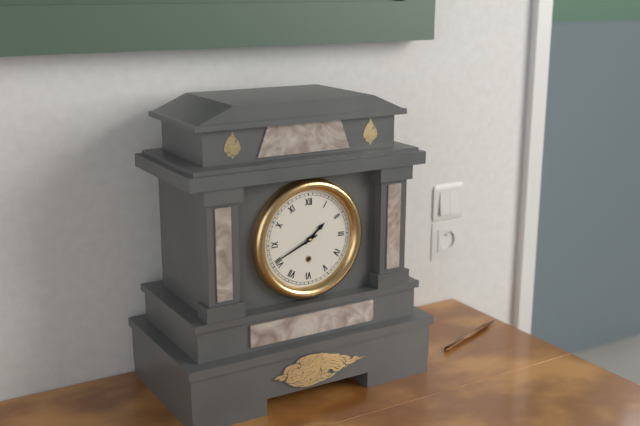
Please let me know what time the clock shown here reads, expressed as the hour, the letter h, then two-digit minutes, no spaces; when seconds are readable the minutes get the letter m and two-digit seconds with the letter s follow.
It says 1h41
